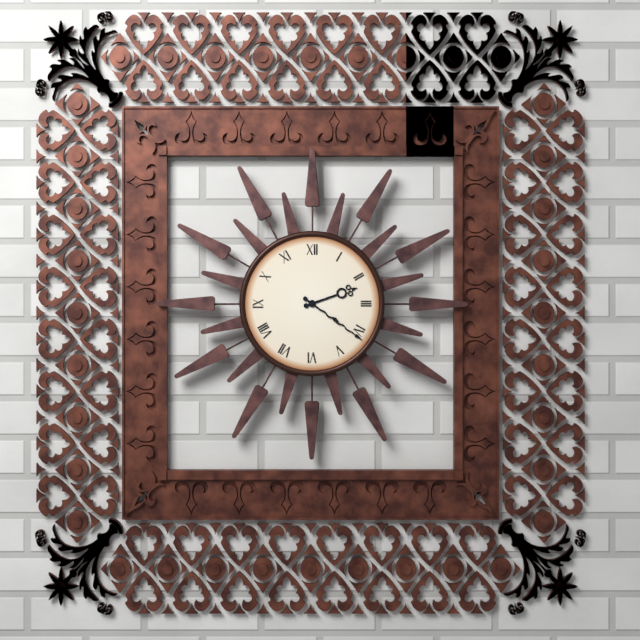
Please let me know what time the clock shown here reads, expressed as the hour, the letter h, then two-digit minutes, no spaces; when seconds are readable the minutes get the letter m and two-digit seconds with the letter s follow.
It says 2h21
